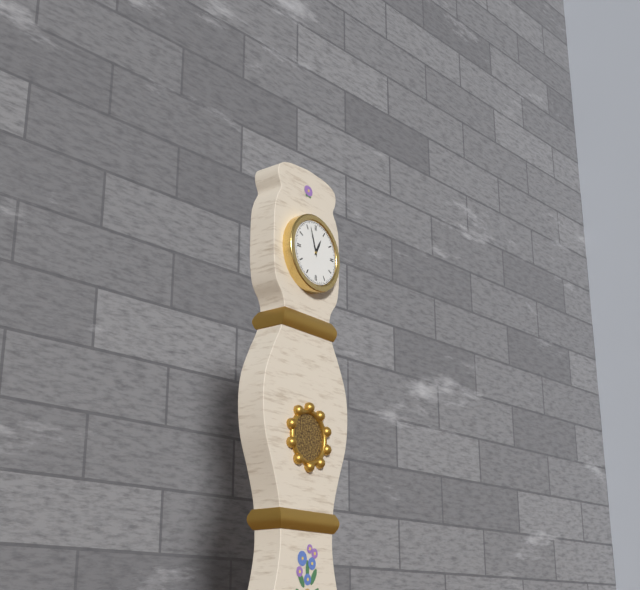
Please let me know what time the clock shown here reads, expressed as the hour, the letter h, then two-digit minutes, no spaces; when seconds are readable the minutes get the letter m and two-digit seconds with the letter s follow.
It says 12h57
